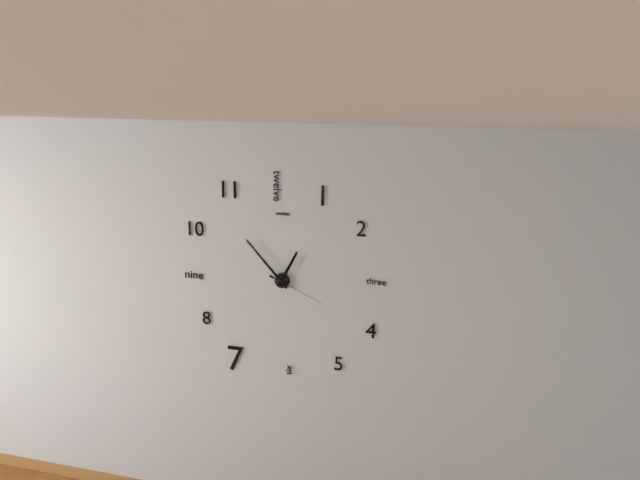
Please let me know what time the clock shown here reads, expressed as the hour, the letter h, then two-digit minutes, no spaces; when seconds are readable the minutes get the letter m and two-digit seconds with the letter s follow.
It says 12h53m19s
